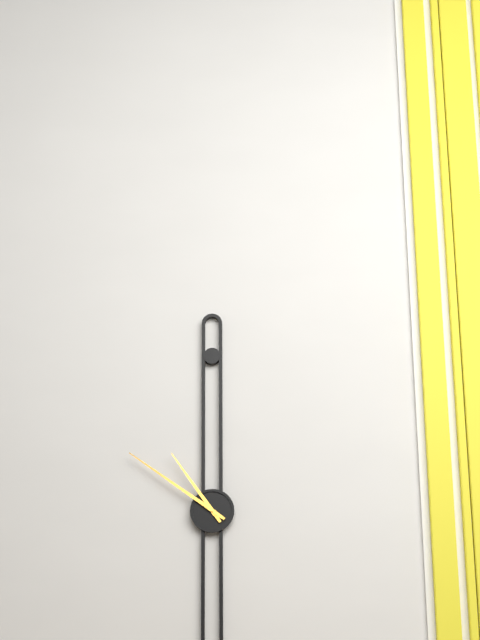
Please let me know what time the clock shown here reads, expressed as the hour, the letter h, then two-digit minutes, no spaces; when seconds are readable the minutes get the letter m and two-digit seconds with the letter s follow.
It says 10h51
